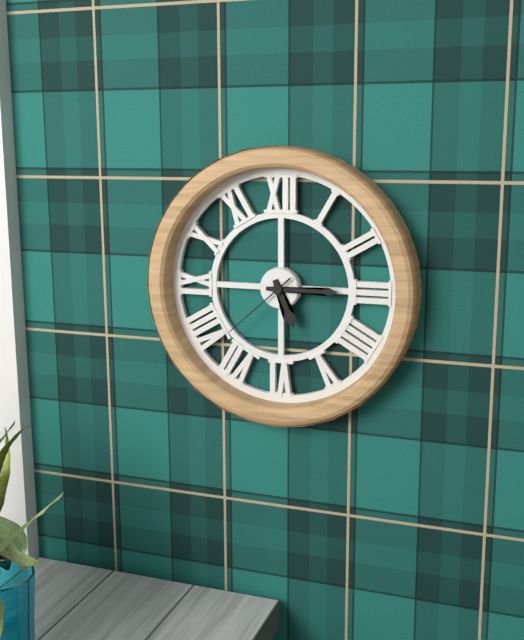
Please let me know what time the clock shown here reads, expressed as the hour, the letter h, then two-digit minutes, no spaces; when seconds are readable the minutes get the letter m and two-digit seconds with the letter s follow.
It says 5h15m38s
